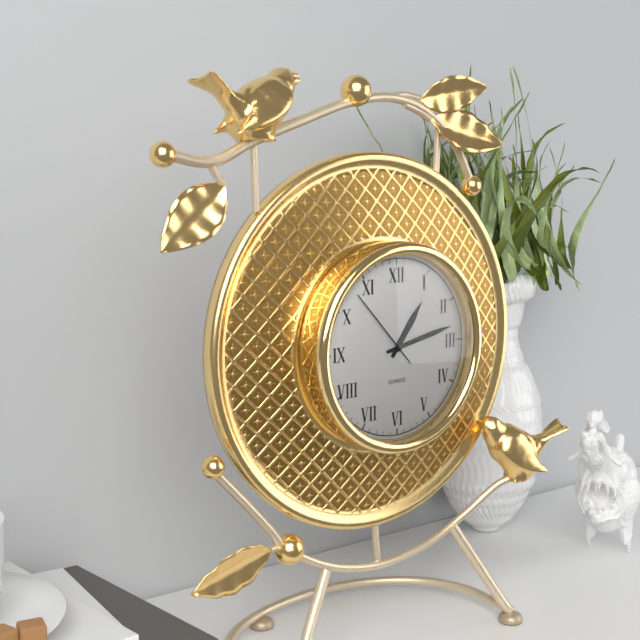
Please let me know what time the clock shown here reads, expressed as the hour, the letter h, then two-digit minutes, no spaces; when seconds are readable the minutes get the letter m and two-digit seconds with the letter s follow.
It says 1h13m53s
